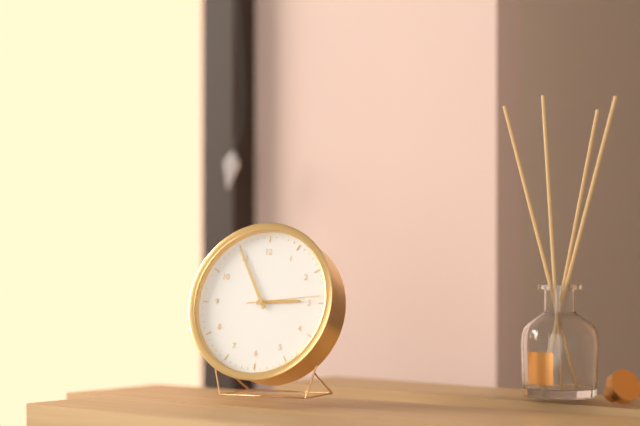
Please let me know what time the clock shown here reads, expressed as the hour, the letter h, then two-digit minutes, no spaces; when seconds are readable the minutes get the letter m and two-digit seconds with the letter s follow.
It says 2h55m14s
